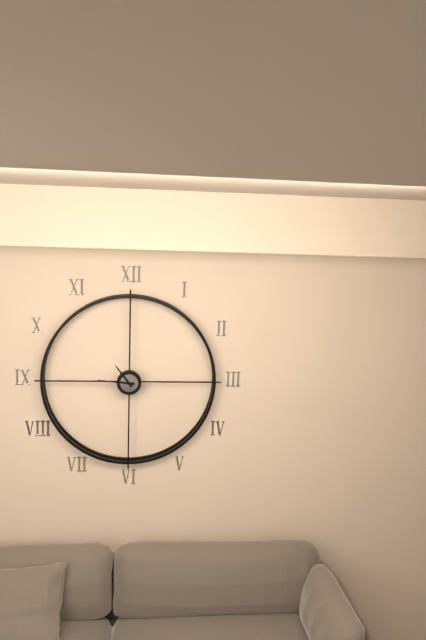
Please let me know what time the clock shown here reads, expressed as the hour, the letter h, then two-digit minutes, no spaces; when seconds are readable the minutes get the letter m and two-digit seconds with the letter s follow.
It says 10h46
